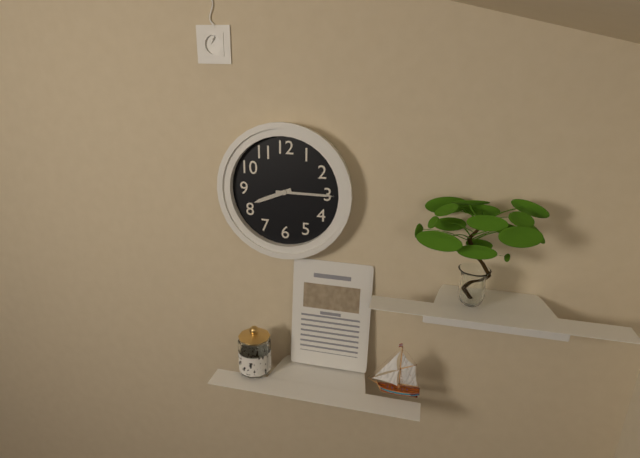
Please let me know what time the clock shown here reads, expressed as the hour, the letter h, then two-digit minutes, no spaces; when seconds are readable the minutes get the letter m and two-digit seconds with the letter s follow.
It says 8h15
